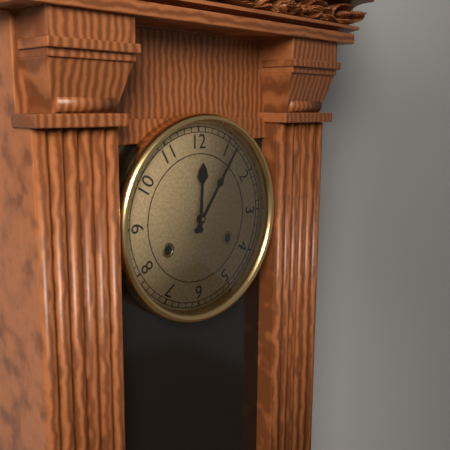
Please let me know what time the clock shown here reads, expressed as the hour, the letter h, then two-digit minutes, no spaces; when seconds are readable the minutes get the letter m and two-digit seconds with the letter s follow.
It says 12h06
